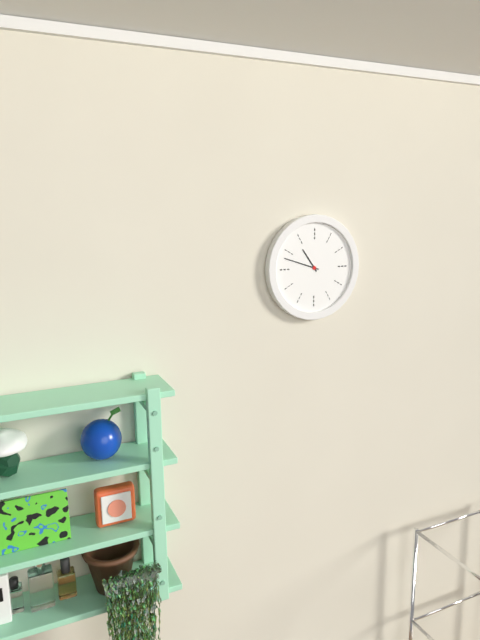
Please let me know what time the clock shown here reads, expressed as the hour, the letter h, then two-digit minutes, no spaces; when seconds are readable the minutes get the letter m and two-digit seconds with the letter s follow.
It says 10h48
